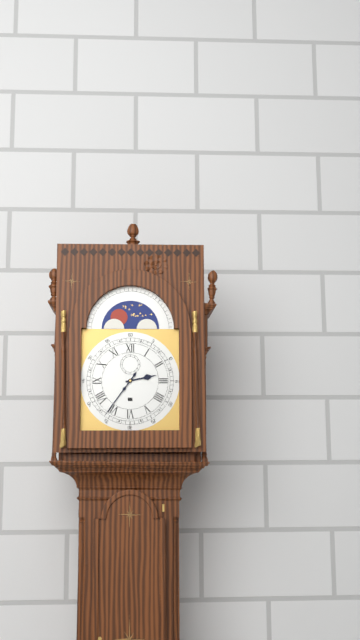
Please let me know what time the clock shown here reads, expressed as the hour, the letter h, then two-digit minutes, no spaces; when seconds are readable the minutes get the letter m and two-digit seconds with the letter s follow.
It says 2h36
